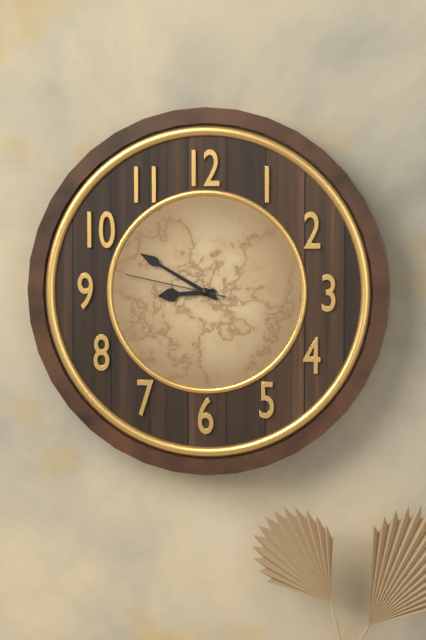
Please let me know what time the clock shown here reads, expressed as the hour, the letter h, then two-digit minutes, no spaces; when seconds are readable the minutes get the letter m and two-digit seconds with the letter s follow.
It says 8h50m47s
